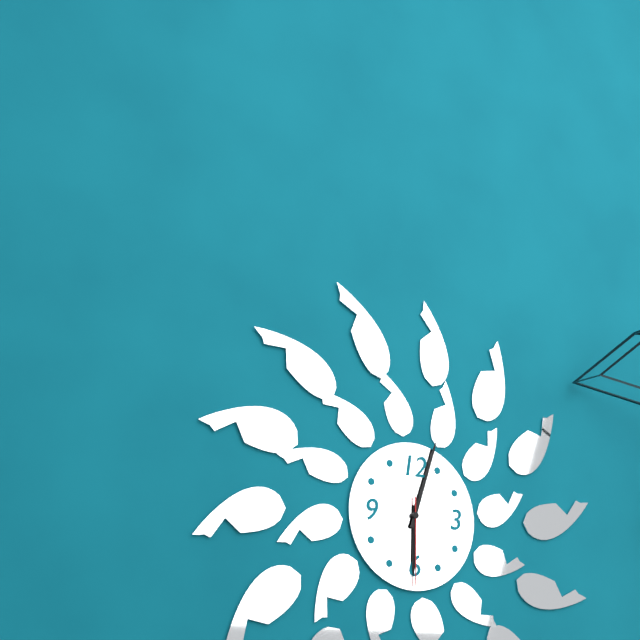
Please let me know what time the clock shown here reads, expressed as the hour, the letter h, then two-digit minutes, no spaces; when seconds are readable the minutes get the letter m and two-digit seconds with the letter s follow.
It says 6h03m30s
